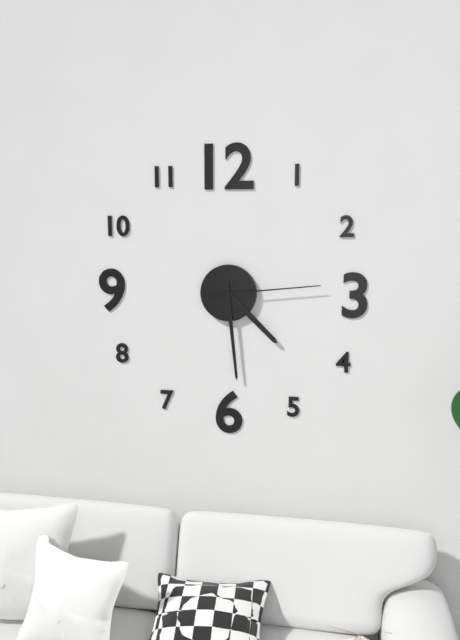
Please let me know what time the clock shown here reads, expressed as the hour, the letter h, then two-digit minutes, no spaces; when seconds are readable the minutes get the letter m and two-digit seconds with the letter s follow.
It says 4h29m14s
